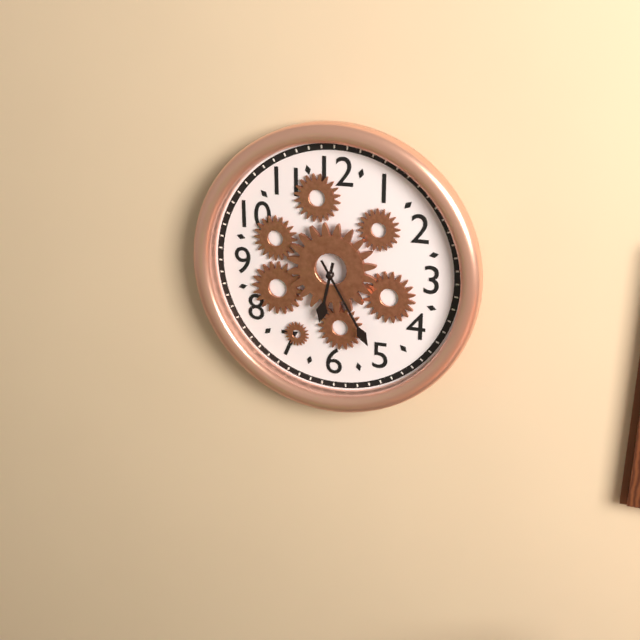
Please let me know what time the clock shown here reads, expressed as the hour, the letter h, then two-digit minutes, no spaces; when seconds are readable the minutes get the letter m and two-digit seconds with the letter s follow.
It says 6h25
